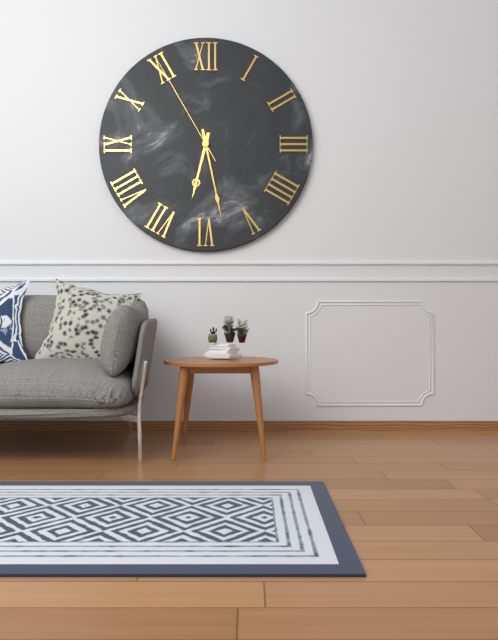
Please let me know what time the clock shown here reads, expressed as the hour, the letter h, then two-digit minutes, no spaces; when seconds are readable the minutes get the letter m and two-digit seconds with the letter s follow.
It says 6h28m55s
